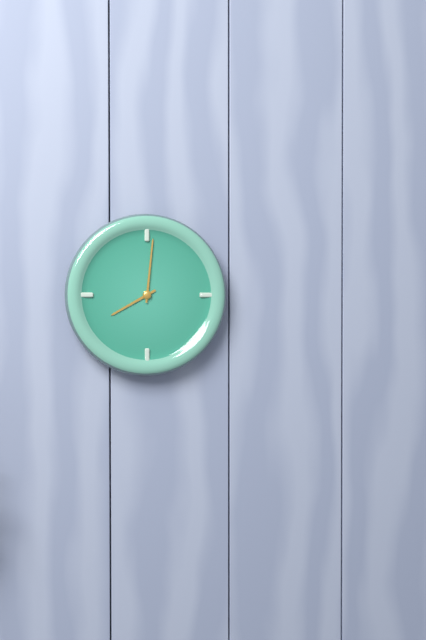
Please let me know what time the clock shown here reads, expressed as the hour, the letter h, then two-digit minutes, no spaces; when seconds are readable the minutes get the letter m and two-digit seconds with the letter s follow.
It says 8h01
